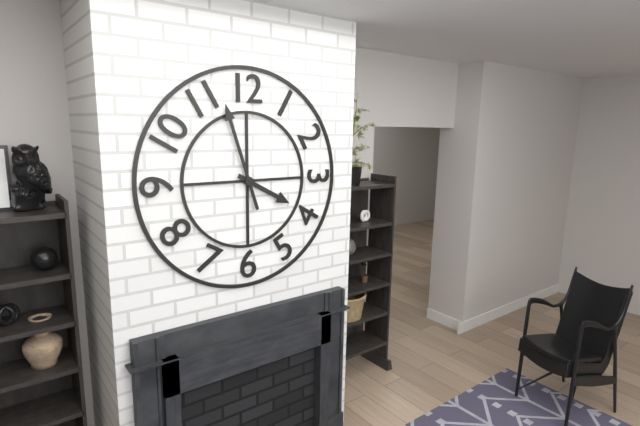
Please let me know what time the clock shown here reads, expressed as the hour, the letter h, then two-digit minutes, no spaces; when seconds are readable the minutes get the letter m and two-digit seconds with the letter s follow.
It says 3h57
